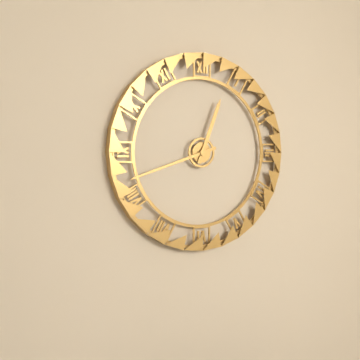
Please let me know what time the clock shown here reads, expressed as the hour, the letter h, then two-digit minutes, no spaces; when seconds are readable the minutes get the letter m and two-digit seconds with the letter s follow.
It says 12h42
